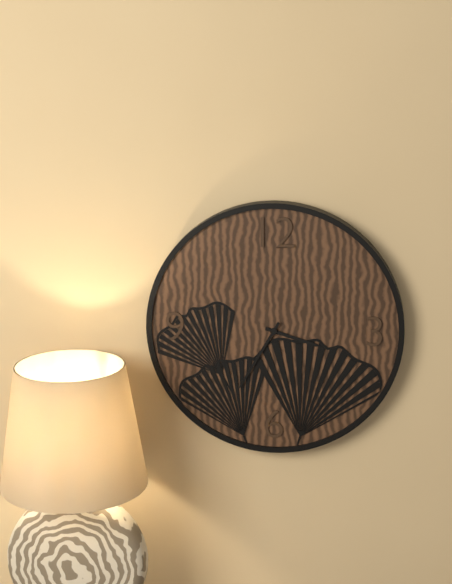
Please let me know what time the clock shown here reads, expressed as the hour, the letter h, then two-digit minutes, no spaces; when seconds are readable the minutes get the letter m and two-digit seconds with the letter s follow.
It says 3h35
